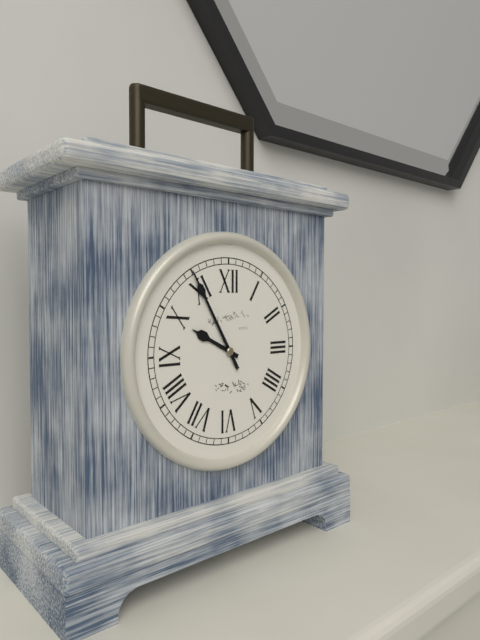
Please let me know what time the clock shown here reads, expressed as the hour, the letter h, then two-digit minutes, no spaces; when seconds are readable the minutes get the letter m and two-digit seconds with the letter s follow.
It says 9h55
